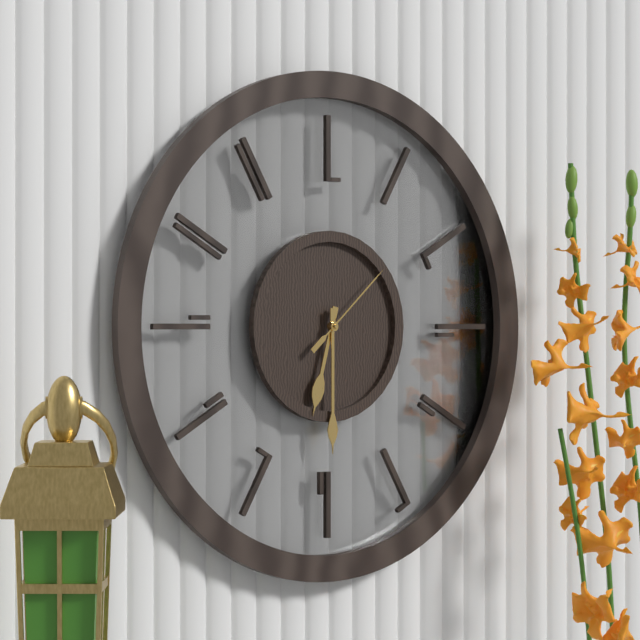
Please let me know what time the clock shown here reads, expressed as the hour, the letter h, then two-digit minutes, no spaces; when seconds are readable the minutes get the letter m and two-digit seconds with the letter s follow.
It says 6h30m08s
